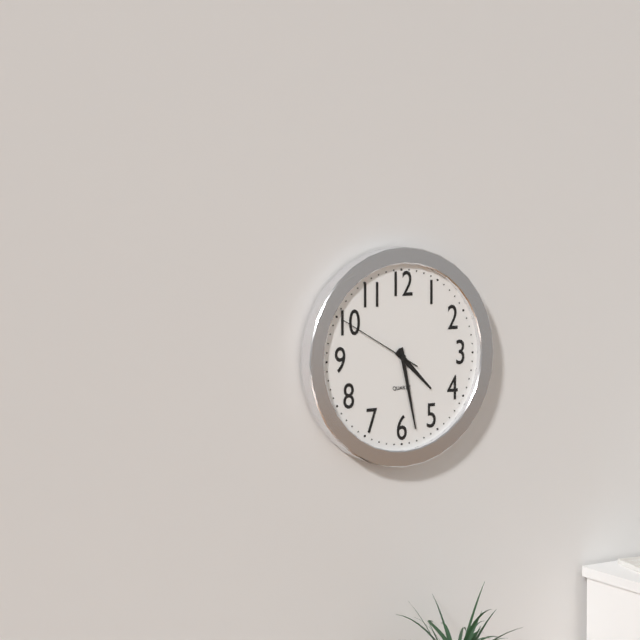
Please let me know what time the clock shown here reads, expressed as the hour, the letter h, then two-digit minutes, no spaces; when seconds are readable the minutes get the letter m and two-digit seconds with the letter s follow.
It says 4h28m50s
